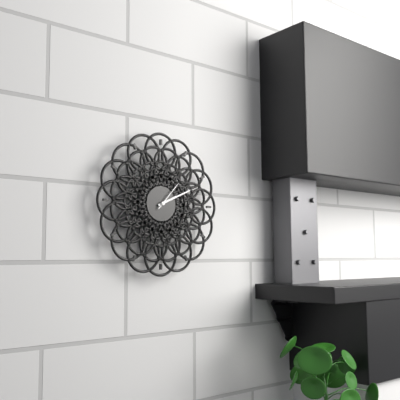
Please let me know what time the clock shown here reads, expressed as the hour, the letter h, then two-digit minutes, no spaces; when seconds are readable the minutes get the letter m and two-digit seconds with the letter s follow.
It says 2h11
